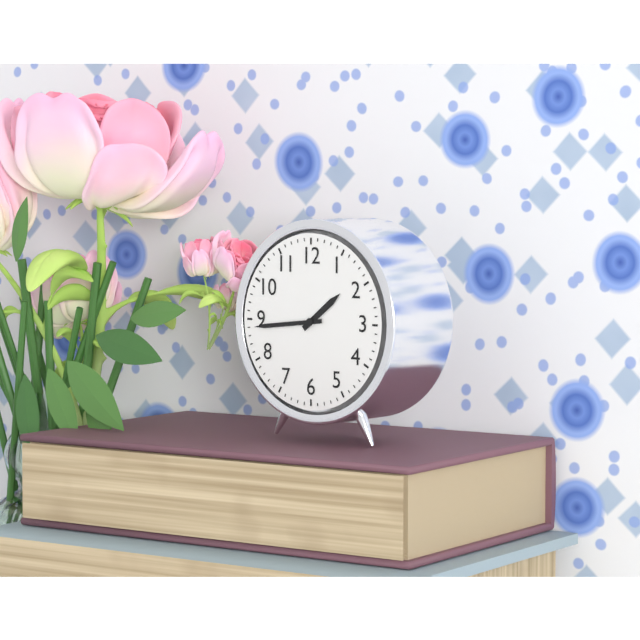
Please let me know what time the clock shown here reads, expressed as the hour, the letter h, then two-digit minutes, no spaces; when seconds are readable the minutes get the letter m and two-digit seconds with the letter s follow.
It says 1h44
